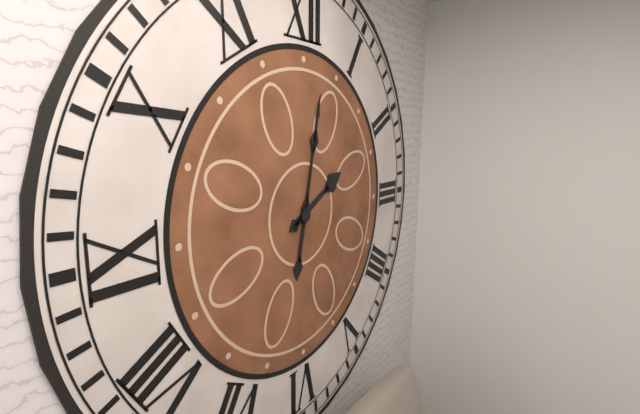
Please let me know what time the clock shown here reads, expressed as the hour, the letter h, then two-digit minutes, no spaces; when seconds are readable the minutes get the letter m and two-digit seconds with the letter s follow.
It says 2h02
